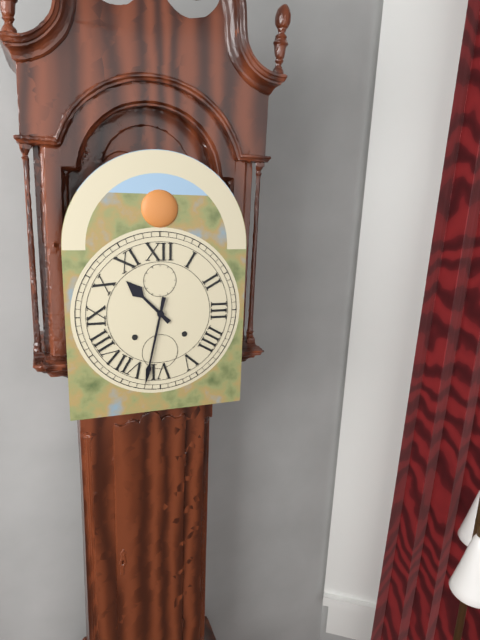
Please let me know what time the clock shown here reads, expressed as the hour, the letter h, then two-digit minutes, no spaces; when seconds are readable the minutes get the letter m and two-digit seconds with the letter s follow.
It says 10h32
